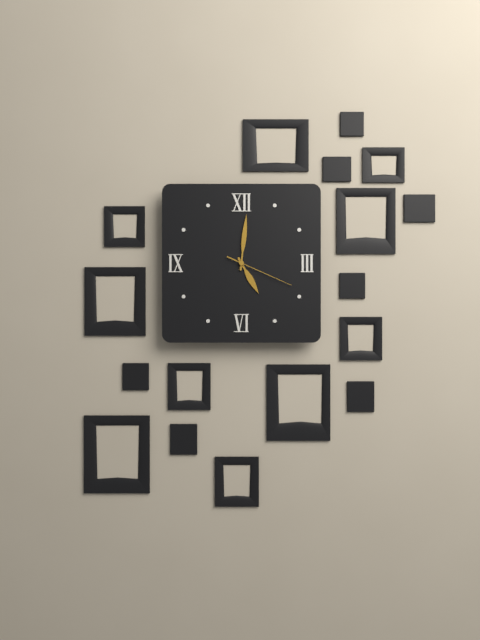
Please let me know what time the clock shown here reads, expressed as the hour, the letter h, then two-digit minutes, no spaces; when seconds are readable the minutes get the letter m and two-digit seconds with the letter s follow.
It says 5h01m19s
